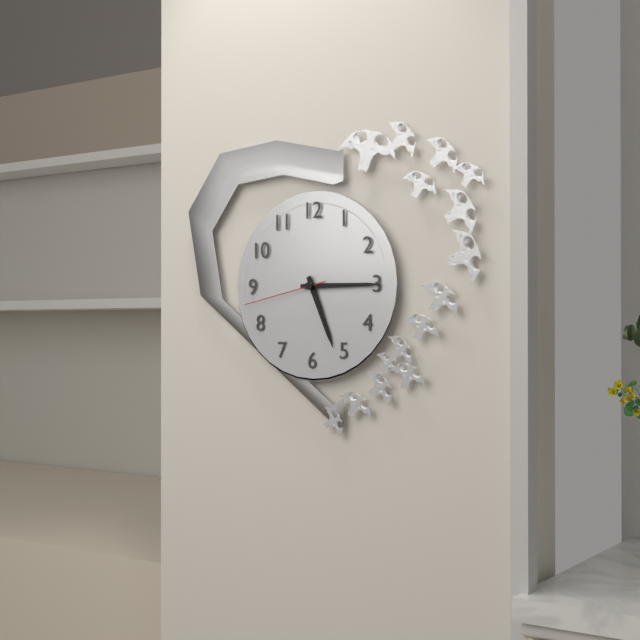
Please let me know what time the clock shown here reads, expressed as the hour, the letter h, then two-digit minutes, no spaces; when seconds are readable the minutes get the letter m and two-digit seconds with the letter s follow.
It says 5h15m43s
